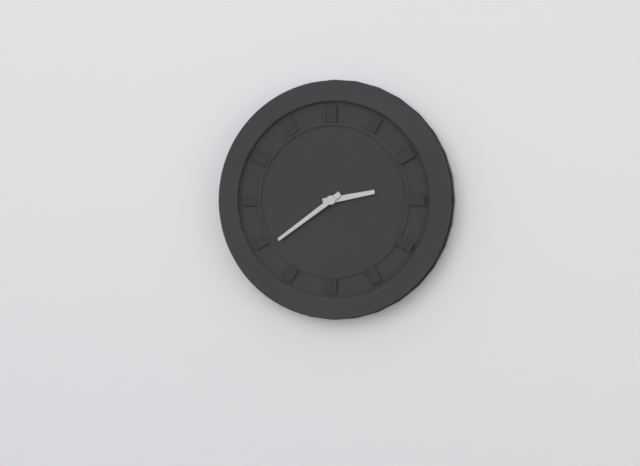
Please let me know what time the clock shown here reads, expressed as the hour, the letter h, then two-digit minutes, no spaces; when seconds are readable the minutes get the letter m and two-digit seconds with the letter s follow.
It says 2h39
